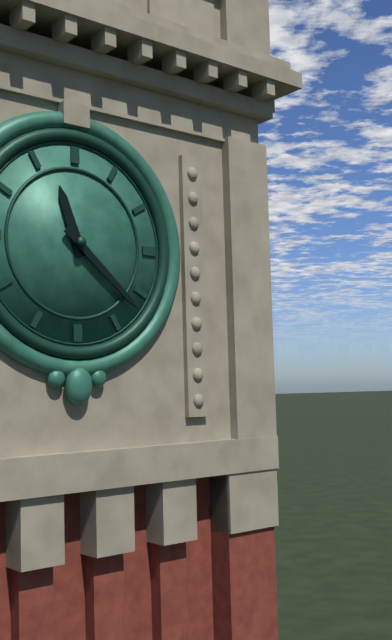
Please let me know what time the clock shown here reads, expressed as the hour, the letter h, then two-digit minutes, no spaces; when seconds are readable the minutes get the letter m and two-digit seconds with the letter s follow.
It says 11h22
